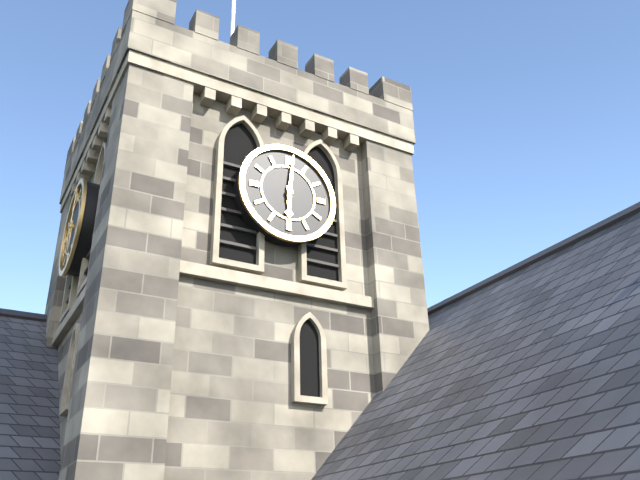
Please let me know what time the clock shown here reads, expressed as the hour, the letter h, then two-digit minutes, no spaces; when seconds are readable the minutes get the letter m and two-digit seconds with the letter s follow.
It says 6h01
